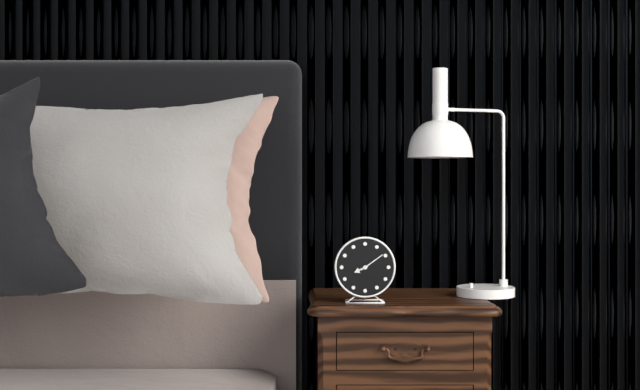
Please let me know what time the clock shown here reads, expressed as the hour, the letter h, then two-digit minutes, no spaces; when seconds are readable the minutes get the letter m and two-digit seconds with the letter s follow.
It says 8h09
